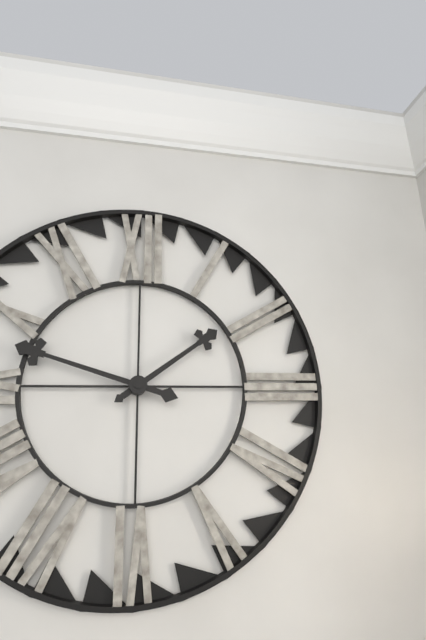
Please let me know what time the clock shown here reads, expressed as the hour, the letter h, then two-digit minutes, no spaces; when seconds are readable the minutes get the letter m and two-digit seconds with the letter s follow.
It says 1h48
